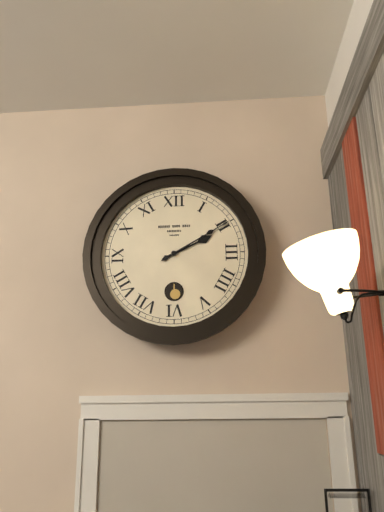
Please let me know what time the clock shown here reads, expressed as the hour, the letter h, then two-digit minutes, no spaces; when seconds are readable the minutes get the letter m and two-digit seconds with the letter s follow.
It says 2h10
